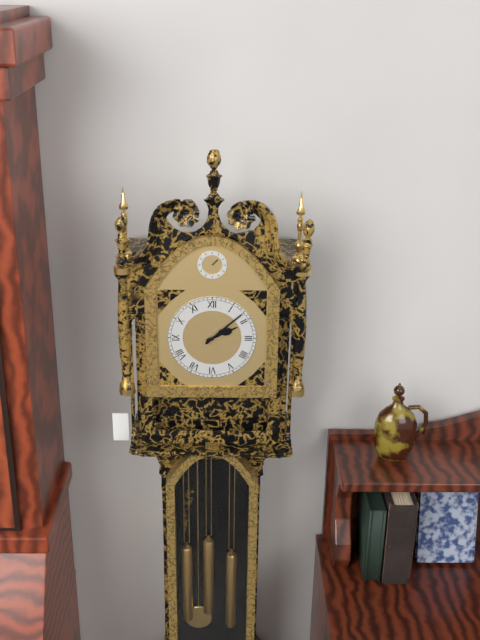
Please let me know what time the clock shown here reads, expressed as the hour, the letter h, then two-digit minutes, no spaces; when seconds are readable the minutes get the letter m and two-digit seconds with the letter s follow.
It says 2h08
